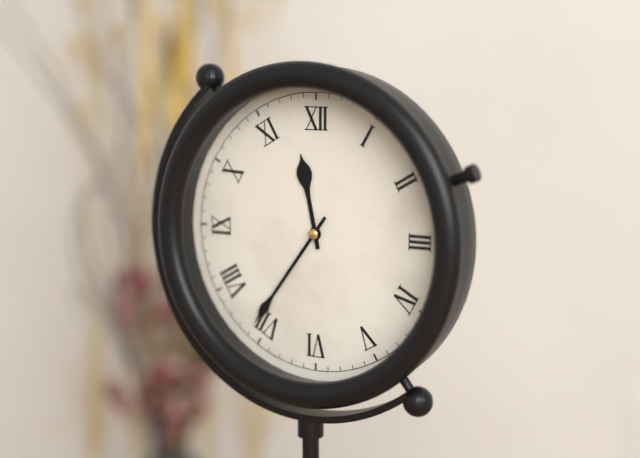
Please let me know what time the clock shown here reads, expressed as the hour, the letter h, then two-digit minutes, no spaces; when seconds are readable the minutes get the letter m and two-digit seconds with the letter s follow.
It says 11h36
